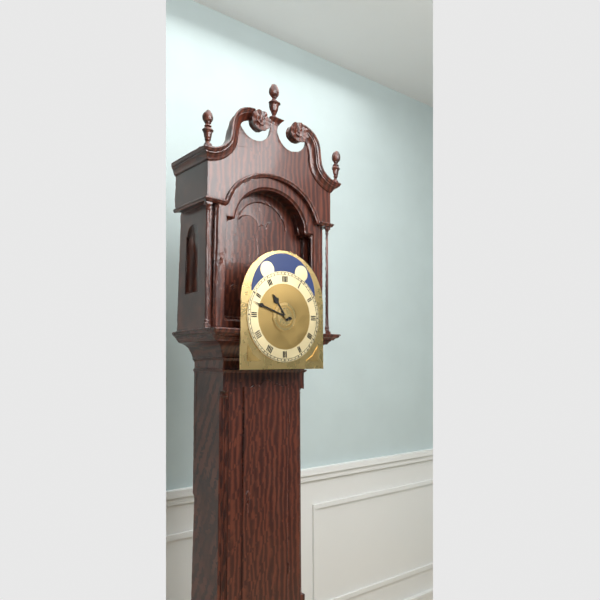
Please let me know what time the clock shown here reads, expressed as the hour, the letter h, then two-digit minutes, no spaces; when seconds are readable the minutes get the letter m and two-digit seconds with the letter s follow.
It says 10h48
